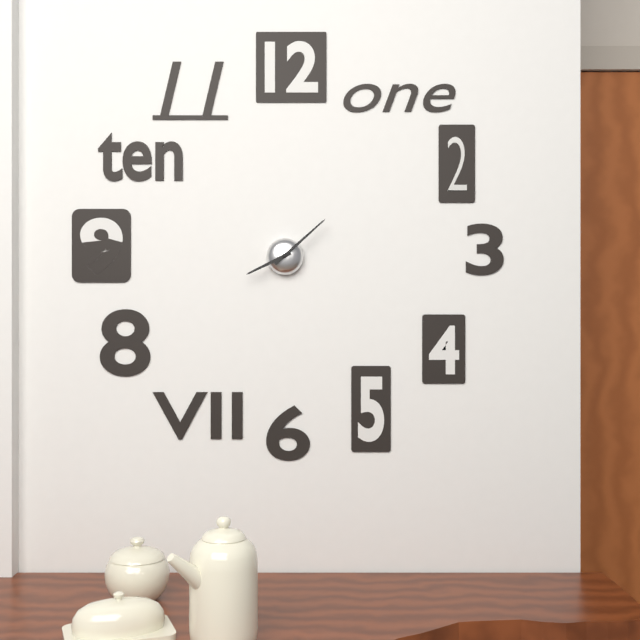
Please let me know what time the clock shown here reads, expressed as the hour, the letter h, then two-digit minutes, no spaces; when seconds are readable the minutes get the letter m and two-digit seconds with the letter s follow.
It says 8h08
